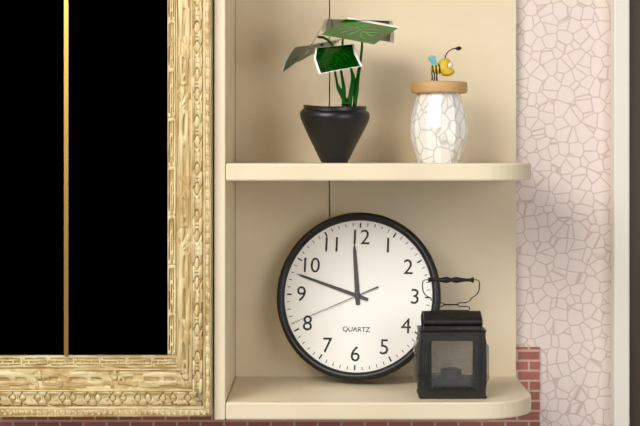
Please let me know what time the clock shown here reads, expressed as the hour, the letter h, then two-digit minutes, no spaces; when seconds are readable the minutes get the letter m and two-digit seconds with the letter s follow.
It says 11h48m41s
